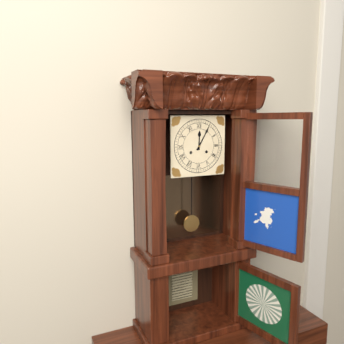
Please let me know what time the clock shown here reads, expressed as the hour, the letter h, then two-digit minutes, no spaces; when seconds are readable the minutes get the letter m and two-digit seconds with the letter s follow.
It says 12h05
